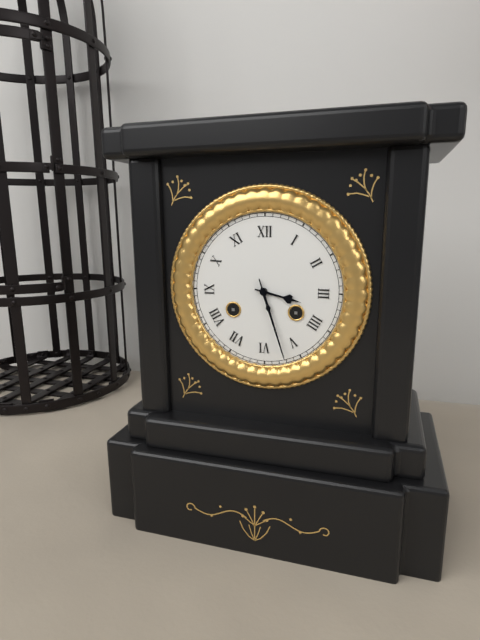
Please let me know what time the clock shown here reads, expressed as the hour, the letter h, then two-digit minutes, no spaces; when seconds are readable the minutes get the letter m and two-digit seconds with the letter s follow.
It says 3h27
